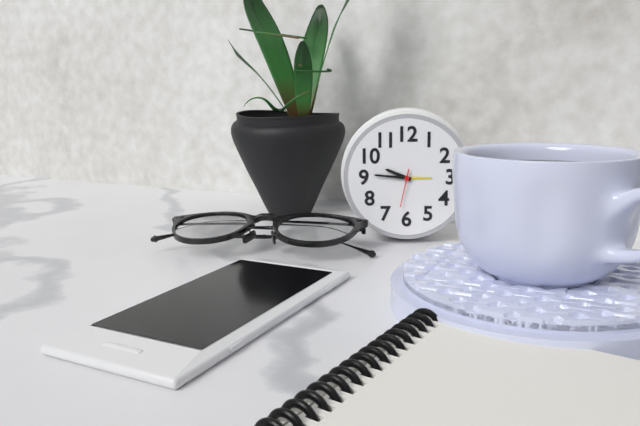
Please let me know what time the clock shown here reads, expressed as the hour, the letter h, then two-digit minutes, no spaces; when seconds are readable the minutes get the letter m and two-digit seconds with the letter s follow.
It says 9h46
